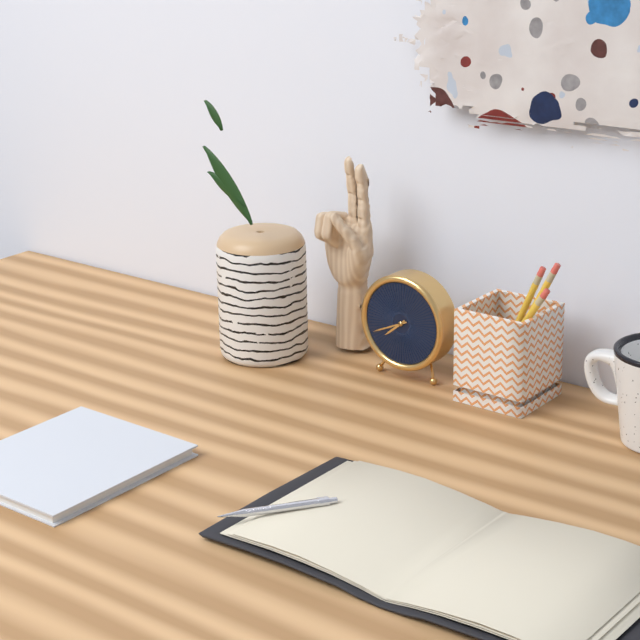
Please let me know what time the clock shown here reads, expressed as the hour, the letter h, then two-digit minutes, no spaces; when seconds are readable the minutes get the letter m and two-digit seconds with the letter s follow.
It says 7h41
